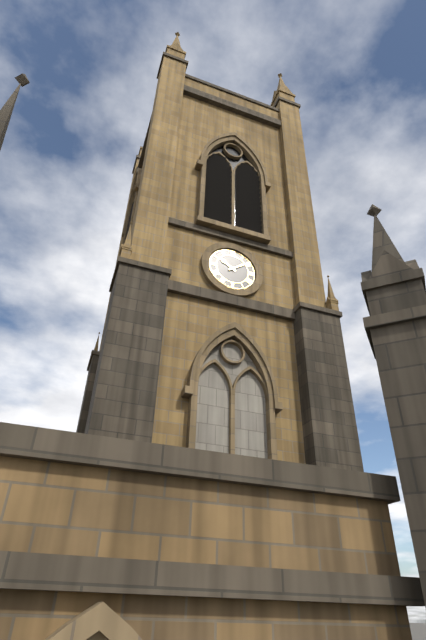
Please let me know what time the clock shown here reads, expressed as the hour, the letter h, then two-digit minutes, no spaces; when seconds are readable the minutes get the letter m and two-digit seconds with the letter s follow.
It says 10h09
